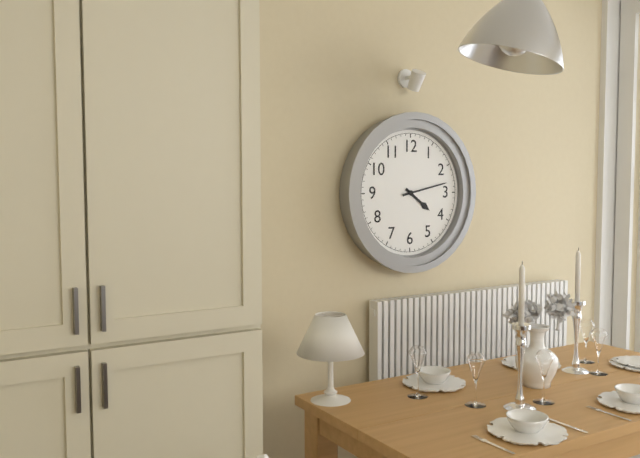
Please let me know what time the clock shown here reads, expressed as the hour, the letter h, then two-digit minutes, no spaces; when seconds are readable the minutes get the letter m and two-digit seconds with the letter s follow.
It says 4h13
